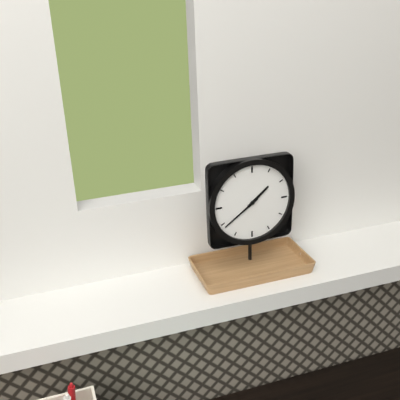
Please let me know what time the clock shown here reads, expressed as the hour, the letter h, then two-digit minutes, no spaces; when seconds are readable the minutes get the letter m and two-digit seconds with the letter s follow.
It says 1h39
